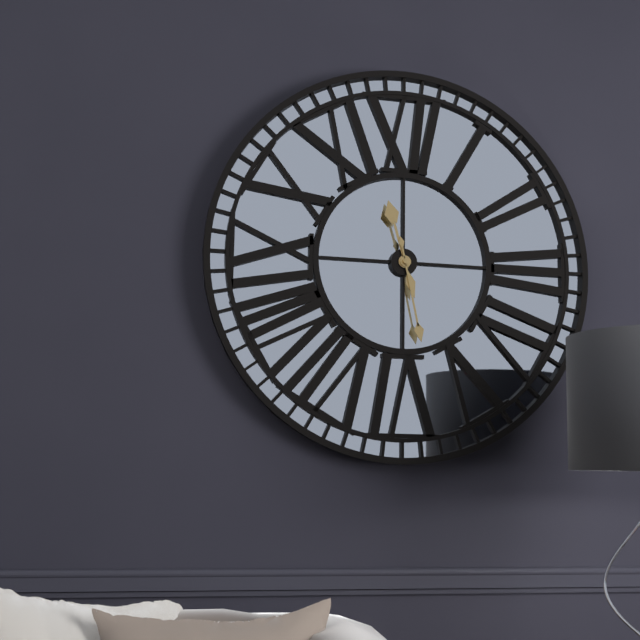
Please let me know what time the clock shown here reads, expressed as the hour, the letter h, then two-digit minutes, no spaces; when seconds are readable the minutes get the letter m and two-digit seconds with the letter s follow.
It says 11h28
